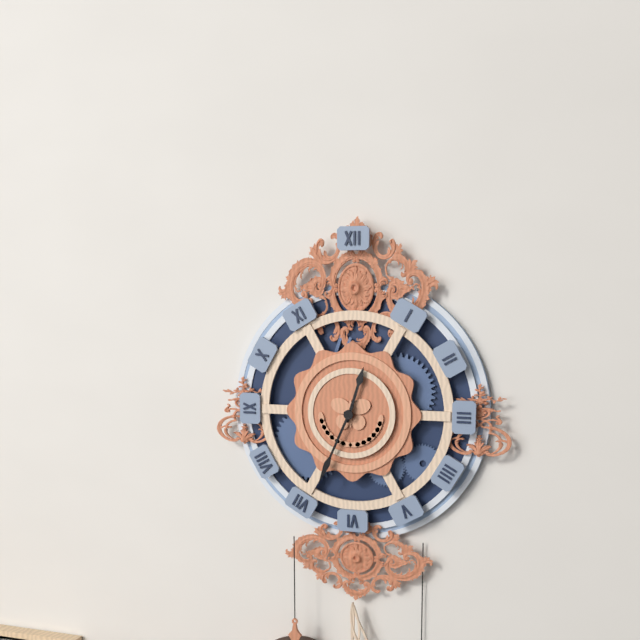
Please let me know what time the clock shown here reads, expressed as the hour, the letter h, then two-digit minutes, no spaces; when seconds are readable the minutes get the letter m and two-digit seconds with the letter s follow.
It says 12h34
